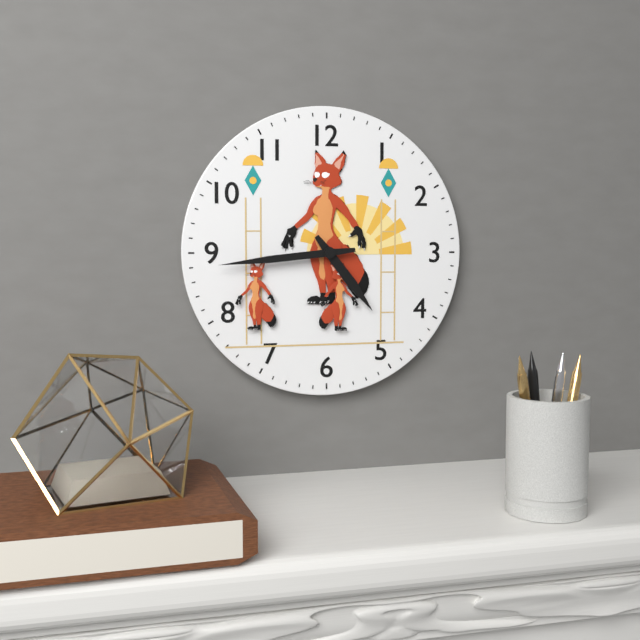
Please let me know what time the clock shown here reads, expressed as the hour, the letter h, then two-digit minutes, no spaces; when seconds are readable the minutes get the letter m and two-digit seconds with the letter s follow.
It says 4h44
